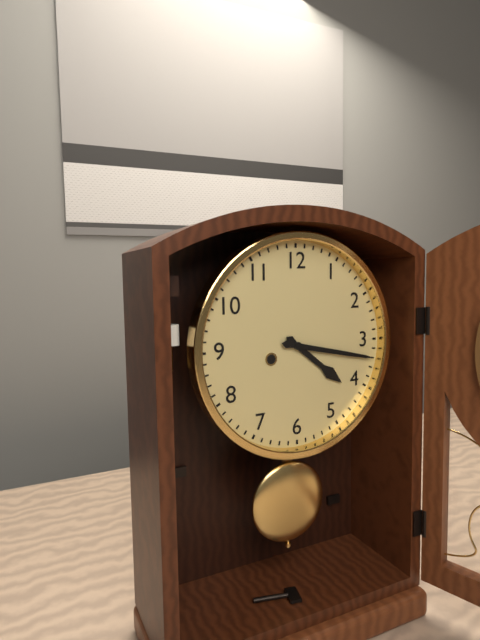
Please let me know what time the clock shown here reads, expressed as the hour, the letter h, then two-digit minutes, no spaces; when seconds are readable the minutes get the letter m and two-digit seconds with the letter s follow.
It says 4h17
